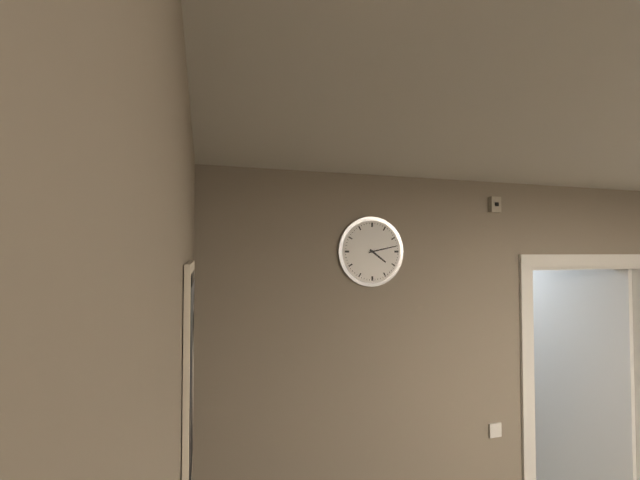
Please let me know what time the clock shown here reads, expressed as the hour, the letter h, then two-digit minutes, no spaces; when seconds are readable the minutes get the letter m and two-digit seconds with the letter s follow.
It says 4h13
